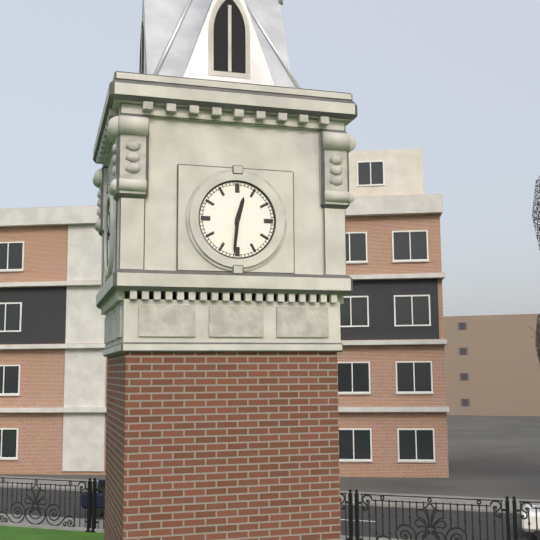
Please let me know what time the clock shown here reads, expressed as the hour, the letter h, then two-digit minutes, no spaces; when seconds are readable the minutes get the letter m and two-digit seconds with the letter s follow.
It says 12h31
